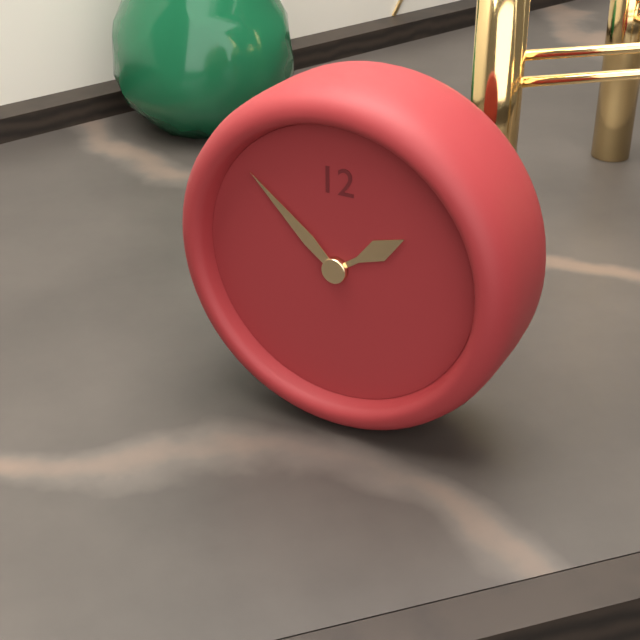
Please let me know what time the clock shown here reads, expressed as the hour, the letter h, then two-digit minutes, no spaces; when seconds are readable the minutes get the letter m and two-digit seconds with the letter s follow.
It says 1h52
